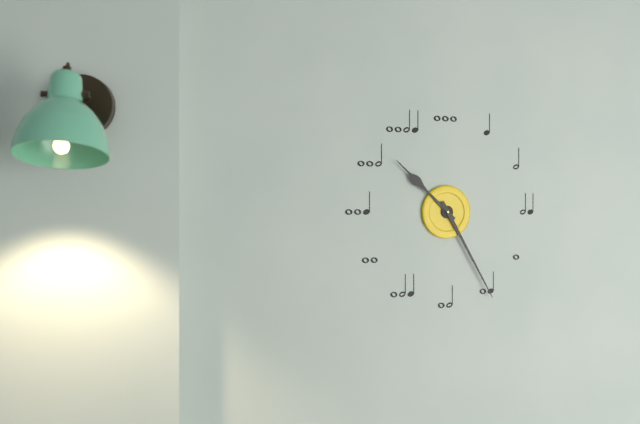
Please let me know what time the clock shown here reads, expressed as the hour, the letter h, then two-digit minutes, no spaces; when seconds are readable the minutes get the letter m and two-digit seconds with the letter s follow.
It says 10h25
